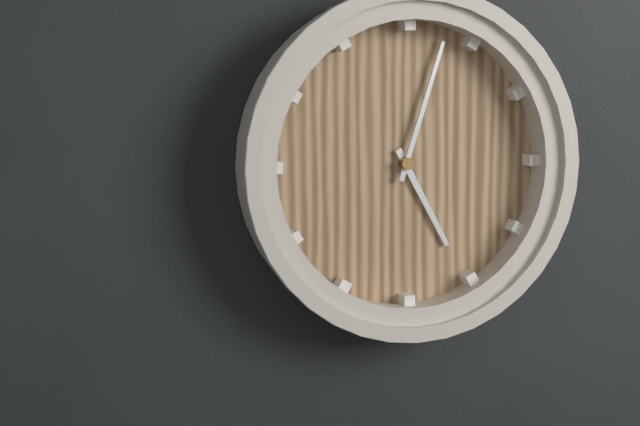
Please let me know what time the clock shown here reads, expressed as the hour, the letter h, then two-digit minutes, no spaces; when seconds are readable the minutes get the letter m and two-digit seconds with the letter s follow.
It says 5h03
